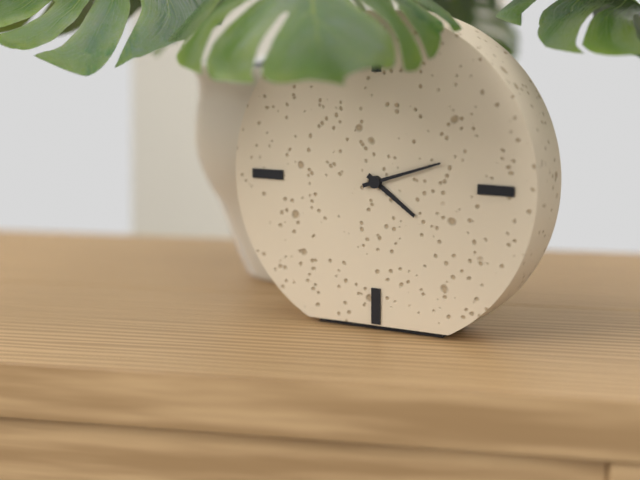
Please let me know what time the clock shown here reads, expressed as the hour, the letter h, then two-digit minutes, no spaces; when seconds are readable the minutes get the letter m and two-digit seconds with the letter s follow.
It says 4h12
